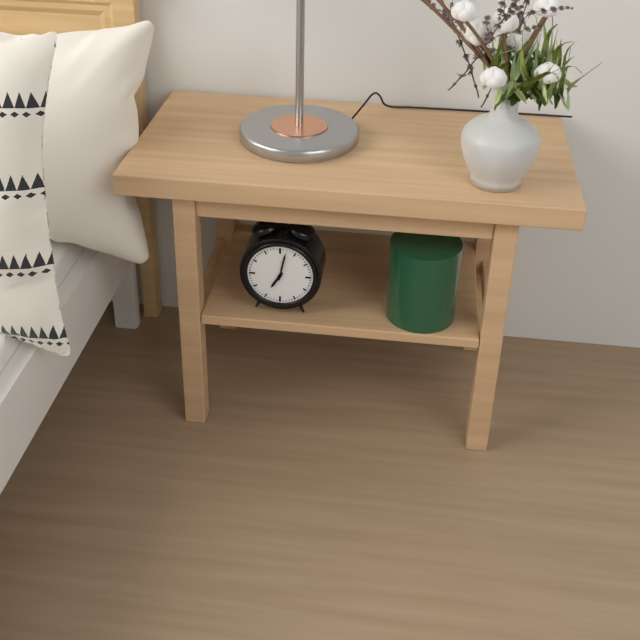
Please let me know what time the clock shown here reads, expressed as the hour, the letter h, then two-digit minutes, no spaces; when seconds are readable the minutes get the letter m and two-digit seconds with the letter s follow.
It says 7h02
